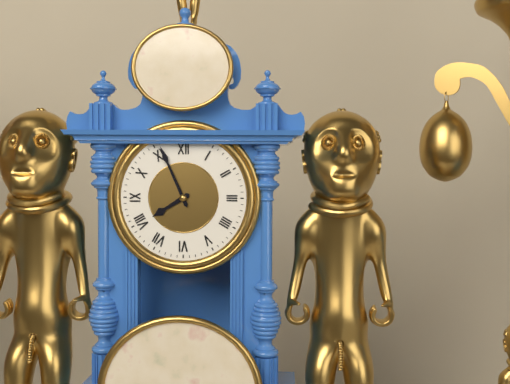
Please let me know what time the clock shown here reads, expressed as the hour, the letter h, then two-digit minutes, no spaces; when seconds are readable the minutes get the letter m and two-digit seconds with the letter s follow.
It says 7h56
